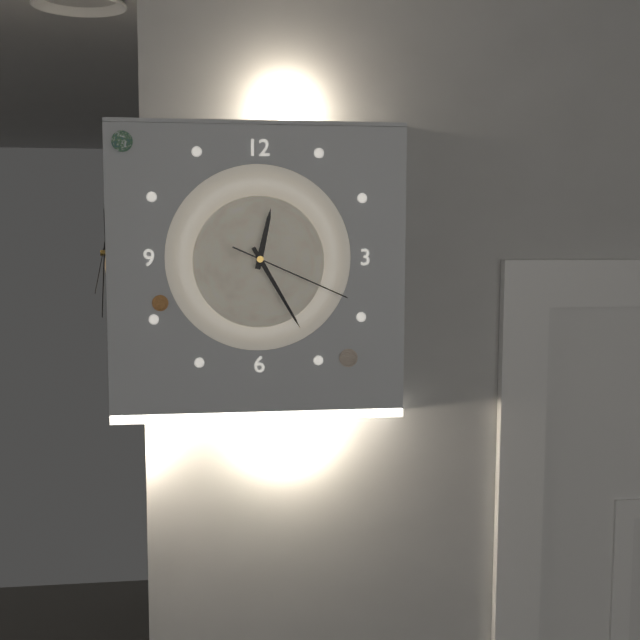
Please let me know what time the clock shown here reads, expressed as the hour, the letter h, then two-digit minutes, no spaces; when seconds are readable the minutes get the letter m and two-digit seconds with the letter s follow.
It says 12h25m19s
